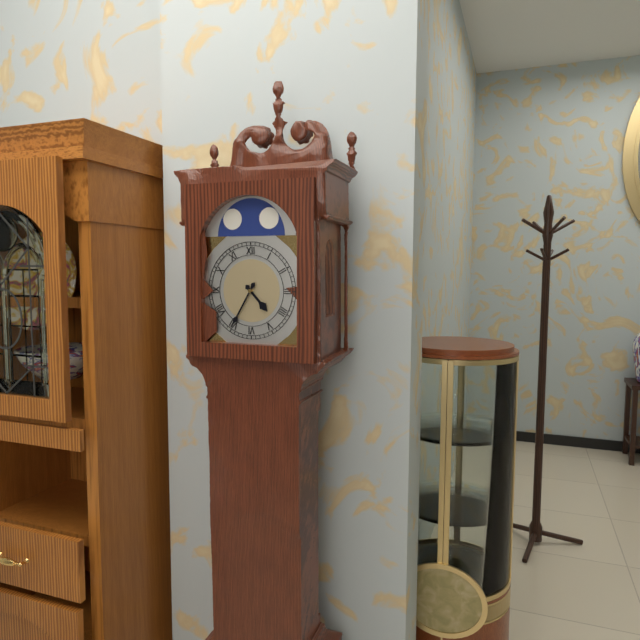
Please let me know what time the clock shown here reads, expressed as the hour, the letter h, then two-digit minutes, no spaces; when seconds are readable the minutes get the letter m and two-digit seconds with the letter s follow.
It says 4h35
